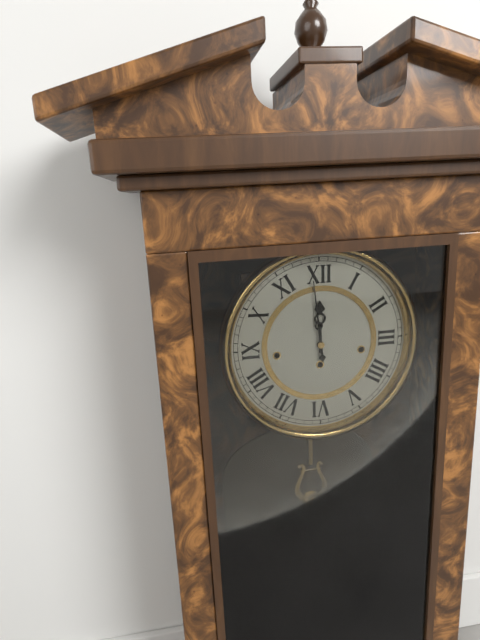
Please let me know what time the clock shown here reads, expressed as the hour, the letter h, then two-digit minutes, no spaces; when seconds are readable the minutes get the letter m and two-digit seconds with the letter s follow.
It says 11h59
